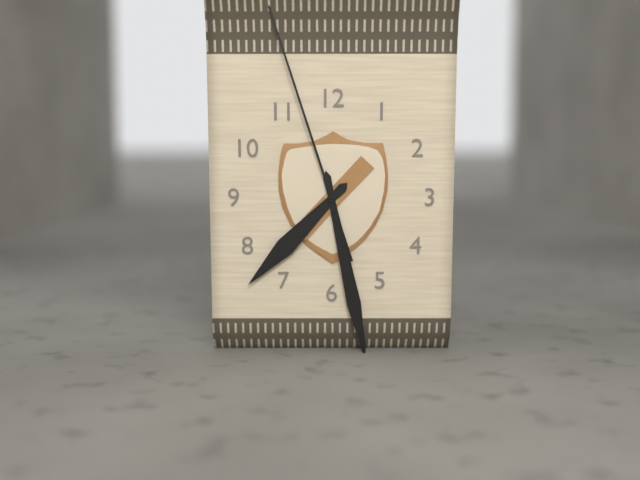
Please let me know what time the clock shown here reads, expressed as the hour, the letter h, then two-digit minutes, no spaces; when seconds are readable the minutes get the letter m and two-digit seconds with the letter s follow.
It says 7h28m57s
